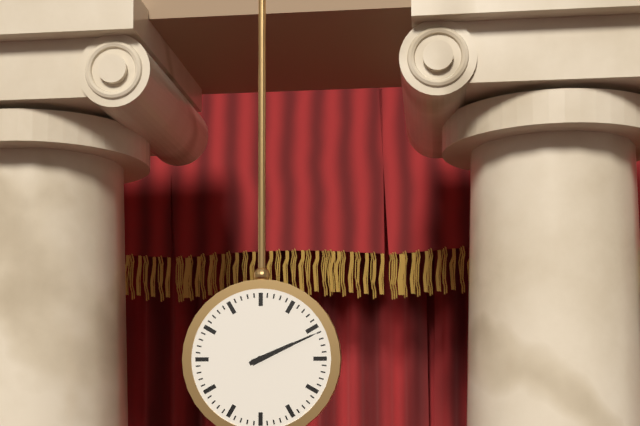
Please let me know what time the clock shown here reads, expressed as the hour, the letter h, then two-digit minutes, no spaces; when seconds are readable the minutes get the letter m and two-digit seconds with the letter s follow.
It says 2h11
